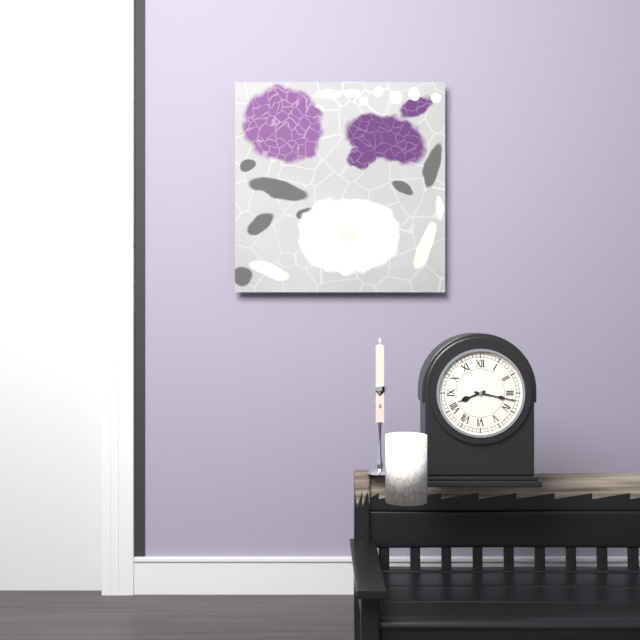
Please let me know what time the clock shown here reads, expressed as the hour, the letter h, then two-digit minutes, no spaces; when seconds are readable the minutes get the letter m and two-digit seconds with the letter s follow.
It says 8h17
